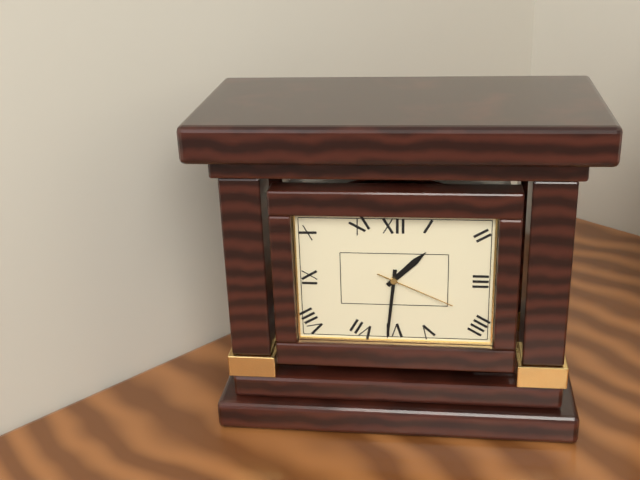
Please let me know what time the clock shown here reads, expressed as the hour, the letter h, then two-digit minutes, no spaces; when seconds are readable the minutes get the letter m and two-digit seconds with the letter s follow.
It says 1h31m19s
